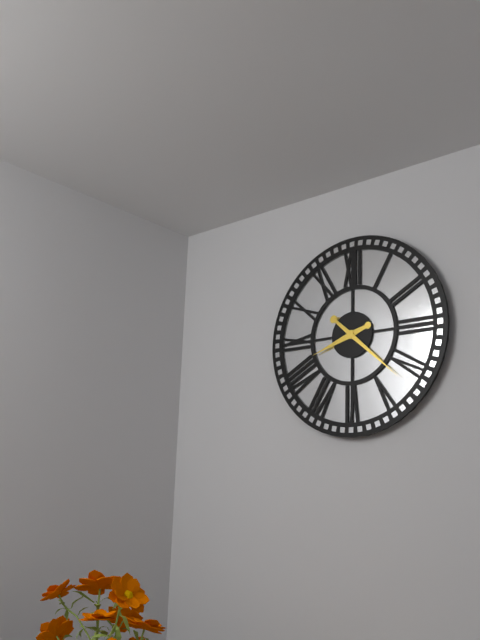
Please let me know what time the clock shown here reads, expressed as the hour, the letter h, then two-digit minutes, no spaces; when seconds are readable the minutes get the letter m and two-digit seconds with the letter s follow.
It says 8h22
